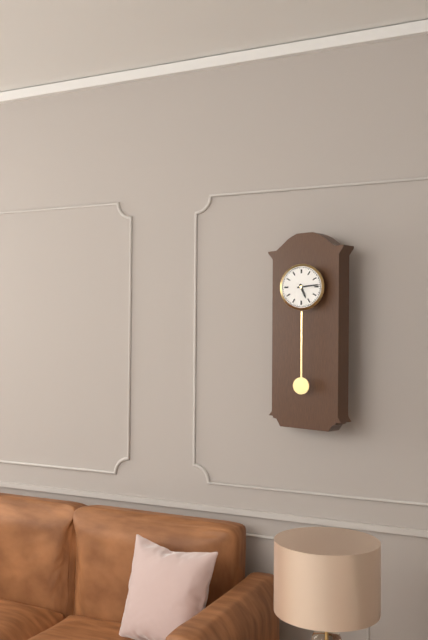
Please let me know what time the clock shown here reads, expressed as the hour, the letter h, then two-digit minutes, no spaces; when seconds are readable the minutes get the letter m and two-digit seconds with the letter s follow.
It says 5h14
